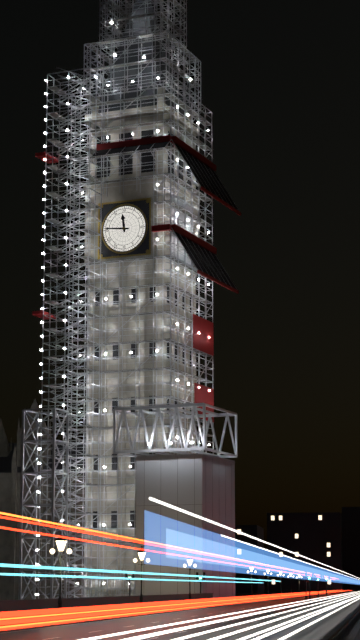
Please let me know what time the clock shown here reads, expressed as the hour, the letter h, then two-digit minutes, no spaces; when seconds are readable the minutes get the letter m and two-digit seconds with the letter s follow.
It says 11h46
